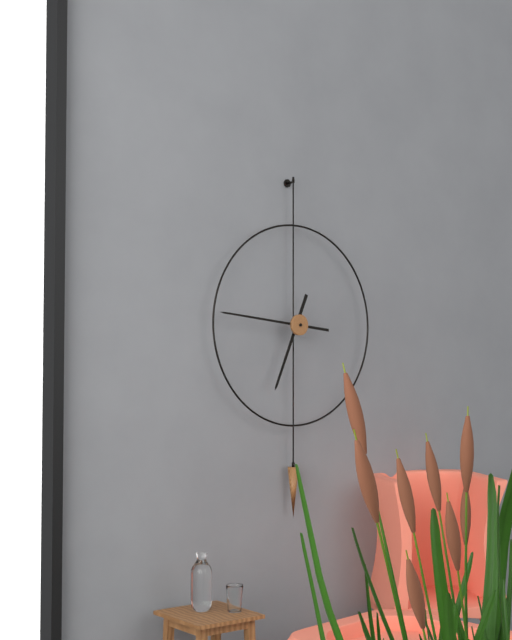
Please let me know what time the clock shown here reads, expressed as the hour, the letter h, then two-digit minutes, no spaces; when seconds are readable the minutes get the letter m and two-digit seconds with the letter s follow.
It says 6h46
